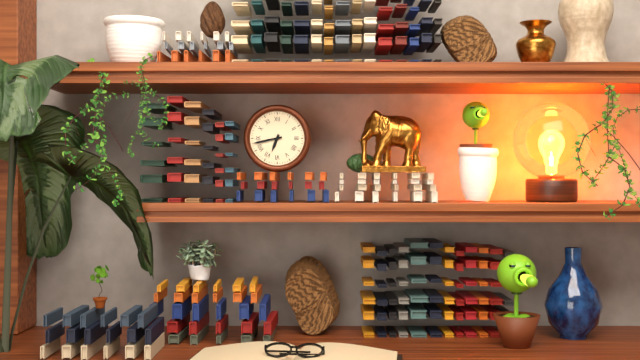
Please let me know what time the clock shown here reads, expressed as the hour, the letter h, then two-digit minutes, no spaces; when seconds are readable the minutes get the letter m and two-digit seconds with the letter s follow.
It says 6h43
